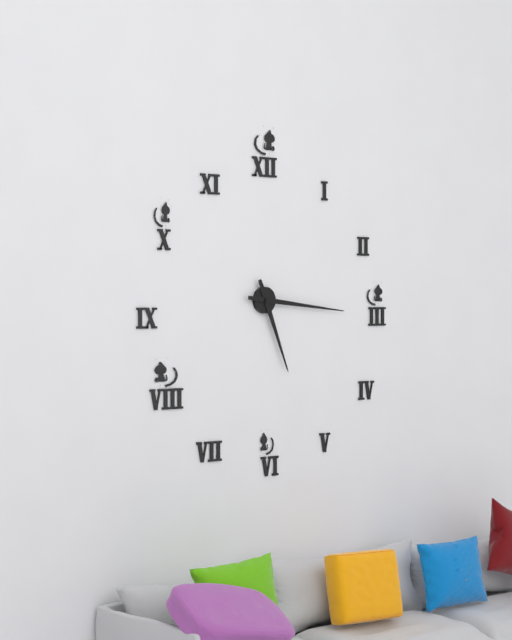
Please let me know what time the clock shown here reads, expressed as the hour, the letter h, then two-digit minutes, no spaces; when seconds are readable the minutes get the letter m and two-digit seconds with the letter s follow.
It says 5h16
